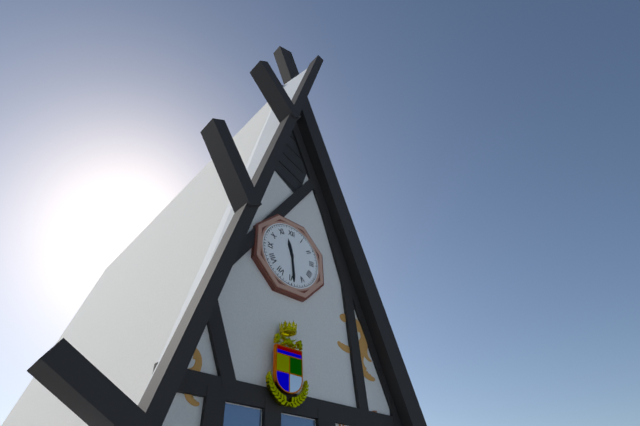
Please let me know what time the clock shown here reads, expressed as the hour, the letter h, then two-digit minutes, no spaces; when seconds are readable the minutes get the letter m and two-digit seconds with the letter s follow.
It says 11h29
